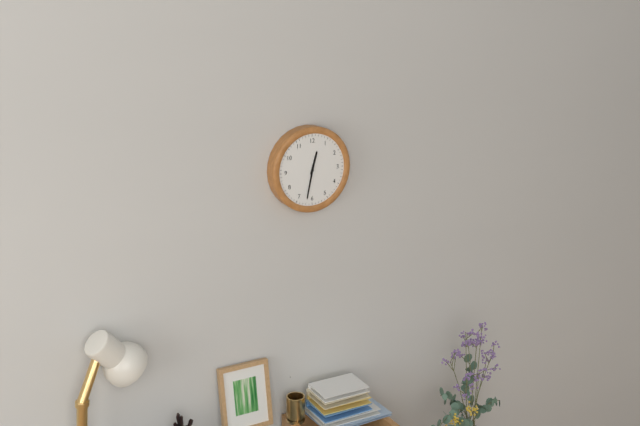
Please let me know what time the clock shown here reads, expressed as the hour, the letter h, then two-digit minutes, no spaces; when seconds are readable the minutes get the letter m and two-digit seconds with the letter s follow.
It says 12h32
